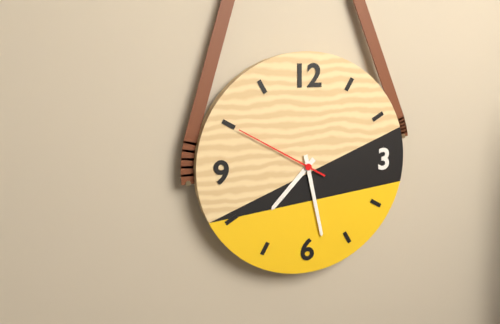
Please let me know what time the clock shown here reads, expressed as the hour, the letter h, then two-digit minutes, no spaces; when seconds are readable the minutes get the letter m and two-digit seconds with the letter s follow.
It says 7h28m50s
